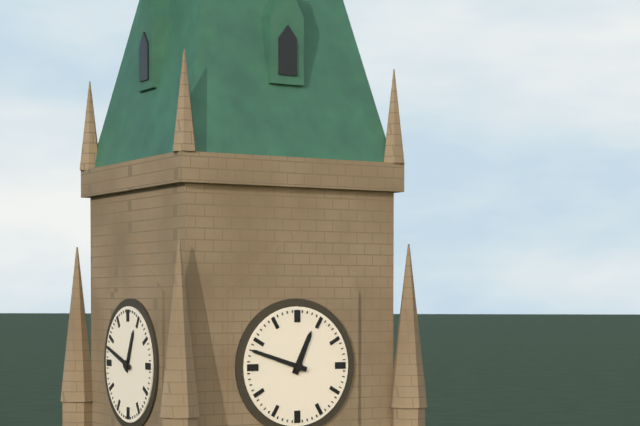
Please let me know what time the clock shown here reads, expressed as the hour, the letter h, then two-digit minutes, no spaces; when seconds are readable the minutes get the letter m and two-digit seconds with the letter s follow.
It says 12h48
